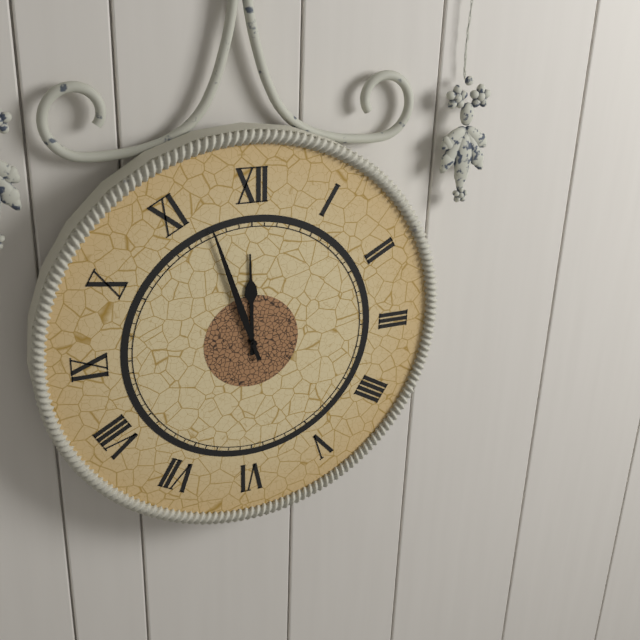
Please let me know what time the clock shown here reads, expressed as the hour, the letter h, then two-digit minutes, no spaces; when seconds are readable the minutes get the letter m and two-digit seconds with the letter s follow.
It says 11h57
